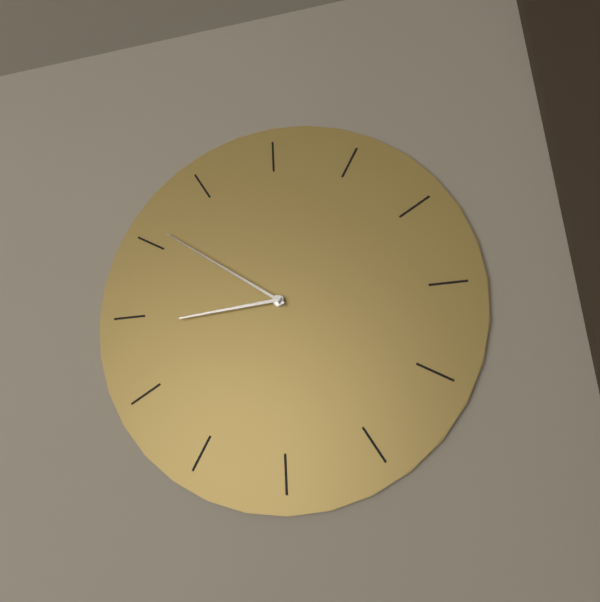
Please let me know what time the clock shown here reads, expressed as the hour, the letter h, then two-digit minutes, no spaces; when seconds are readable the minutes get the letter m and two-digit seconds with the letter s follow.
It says 8h51
